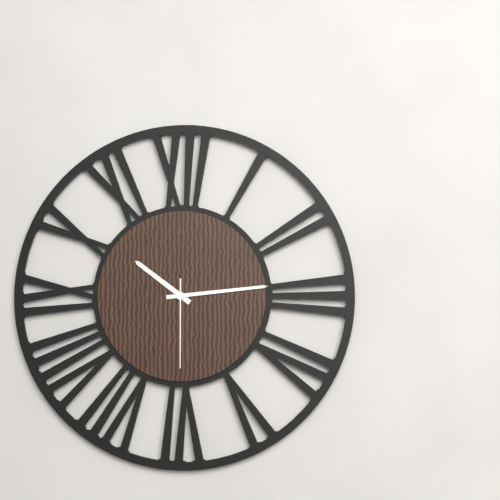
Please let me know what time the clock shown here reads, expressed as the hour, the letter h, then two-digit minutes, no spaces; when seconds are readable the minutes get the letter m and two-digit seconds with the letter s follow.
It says 10h14m30s
